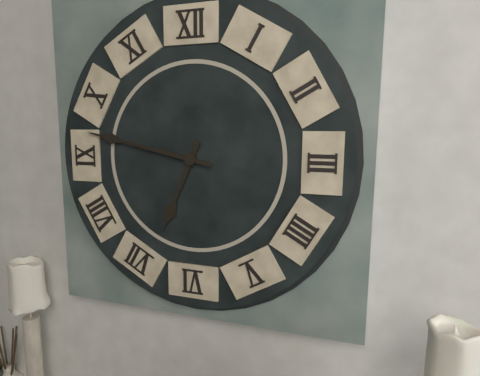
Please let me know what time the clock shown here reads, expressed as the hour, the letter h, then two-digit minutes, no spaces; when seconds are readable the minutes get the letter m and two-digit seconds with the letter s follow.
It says 6h47
